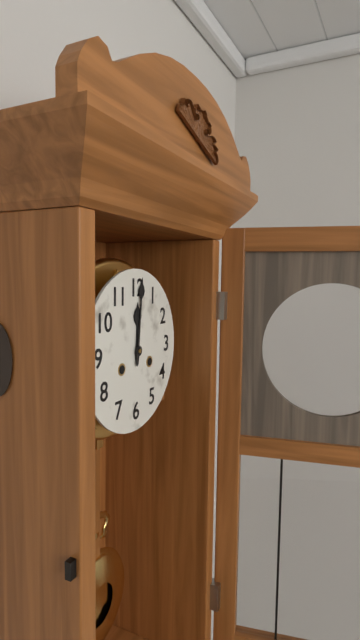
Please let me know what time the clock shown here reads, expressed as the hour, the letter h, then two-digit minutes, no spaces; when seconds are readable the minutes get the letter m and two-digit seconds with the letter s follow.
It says 12h01
